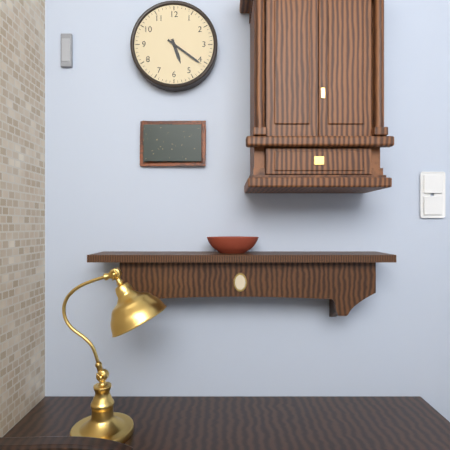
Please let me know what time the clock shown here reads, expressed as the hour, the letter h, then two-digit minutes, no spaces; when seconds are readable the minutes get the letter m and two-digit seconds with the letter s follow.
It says 5h21
